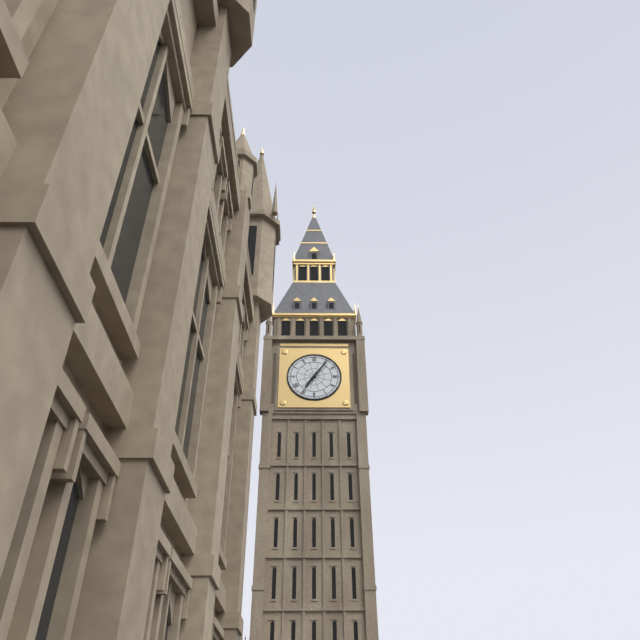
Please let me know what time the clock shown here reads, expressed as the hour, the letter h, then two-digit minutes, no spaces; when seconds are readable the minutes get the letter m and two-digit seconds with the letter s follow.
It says 7h06
